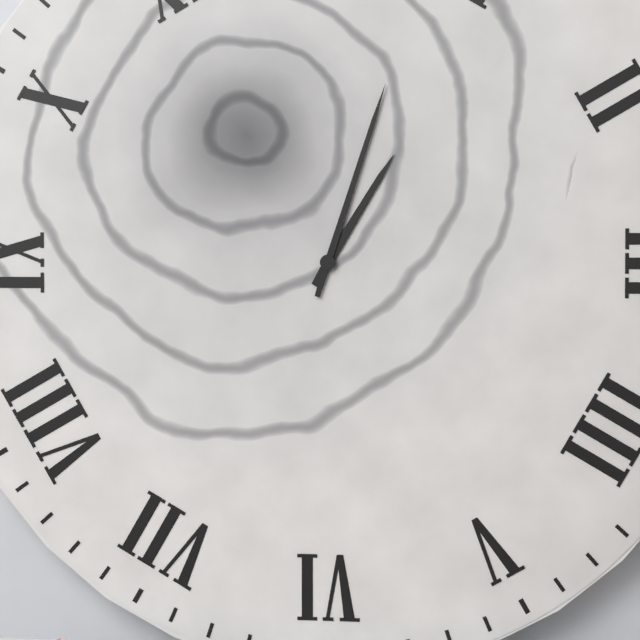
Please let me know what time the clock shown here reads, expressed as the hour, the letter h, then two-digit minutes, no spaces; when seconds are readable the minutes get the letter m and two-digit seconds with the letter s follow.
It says 1h03
